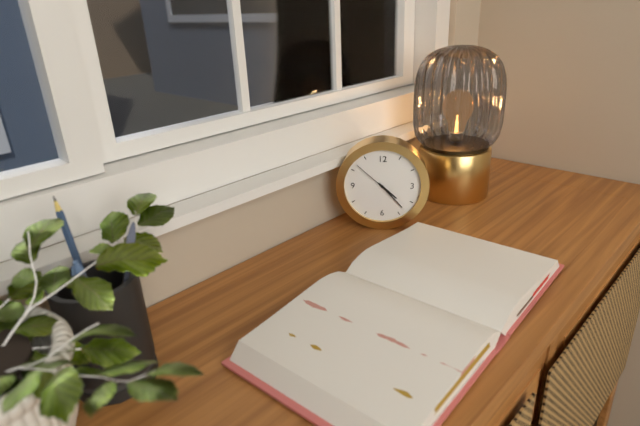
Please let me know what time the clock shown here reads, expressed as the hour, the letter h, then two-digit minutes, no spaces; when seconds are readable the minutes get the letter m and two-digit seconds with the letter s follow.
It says 4h23
